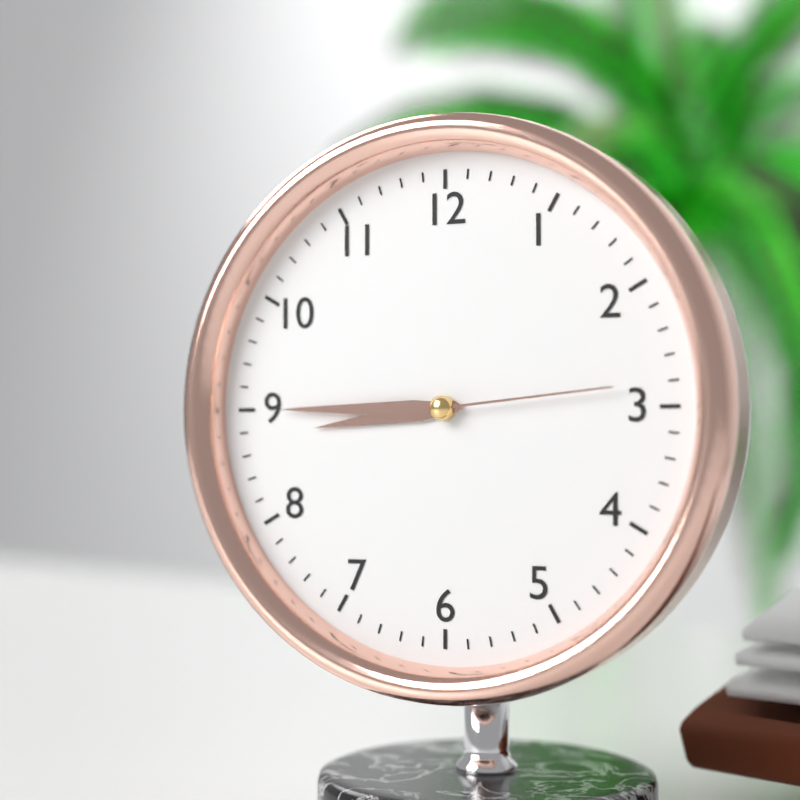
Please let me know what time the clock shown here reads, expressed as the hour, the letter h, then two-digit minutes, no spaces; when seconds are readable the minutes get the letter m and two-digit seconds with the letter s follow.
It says 8h45m14s
